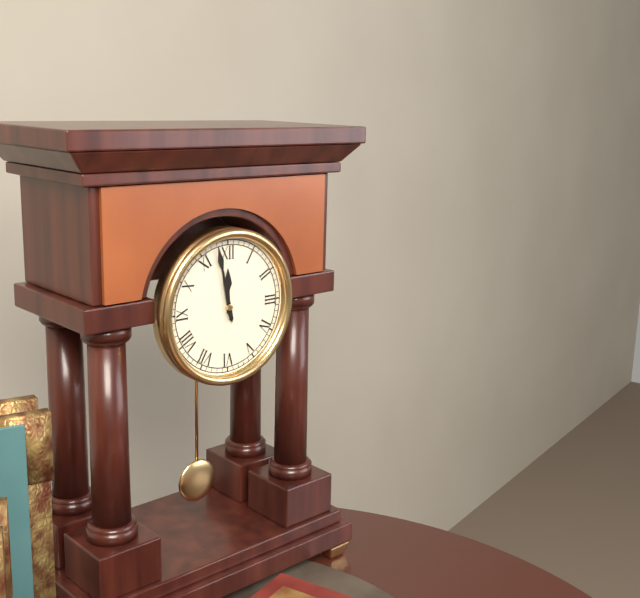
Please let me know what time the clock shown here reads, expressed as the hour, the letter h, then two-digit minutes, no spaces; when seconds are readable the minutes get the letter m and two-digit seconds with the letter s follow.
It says 11h58
